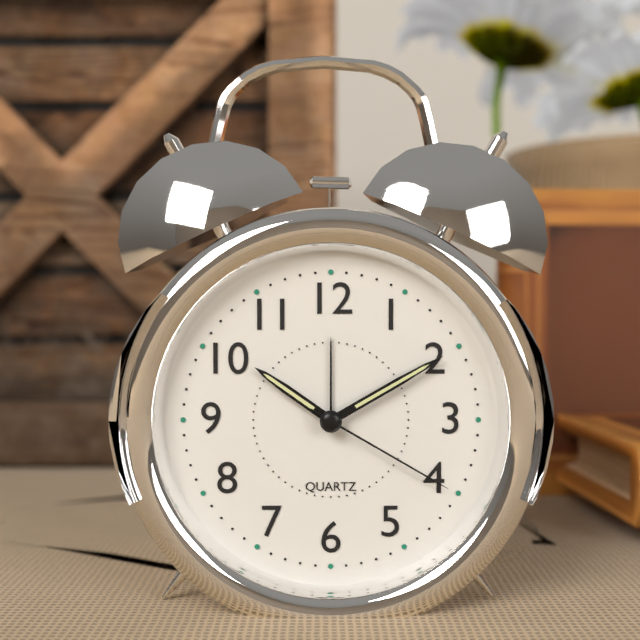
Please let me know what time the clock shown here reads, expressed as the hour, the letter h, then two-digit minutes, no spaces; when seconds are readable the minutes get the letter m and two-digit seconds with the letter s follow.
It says 10h10m20s
